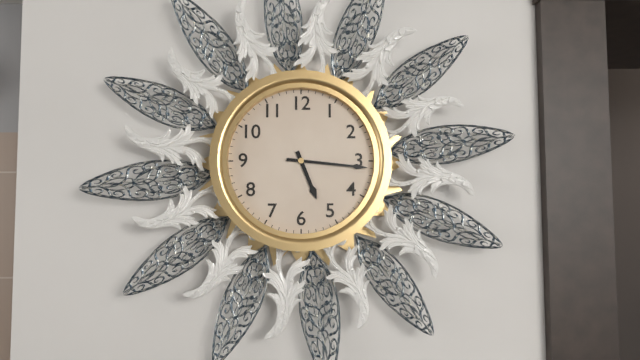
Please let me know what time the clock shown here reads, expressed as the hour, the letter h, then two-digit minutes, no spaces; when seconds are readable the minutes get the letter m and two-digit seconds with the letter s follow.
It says 5h16
